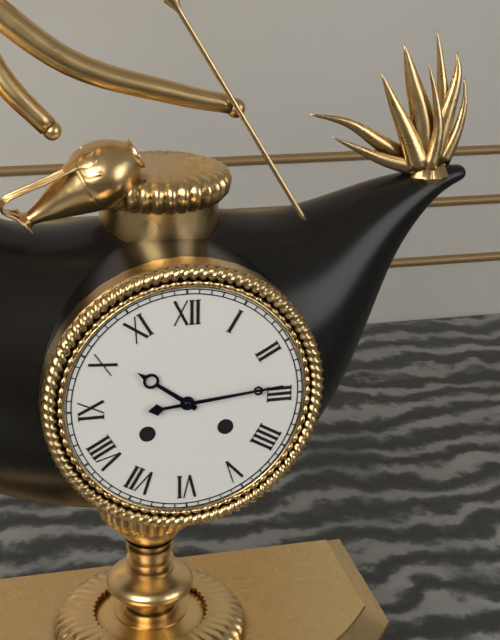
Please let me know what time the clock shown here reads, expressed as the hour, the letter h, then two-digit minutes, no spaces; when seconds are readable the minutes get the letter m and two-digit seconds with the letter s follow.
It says 10h14
